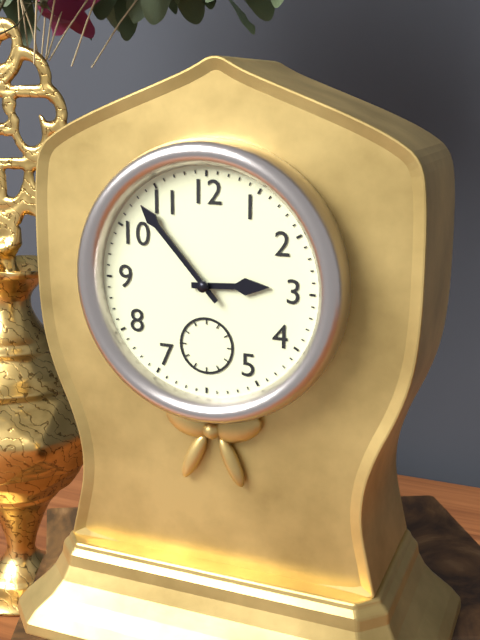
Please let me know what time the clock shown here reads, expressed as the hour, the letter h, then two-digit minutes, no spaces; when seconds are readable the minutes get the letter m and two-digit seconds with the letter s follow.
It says 2h53
